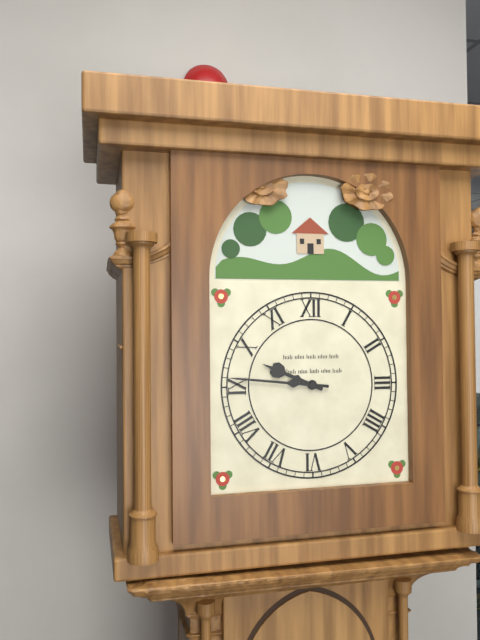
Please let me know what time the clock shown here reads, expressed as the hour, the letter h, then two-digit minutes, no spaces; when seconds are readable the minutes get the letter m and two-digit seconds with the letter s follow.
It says 9h46
